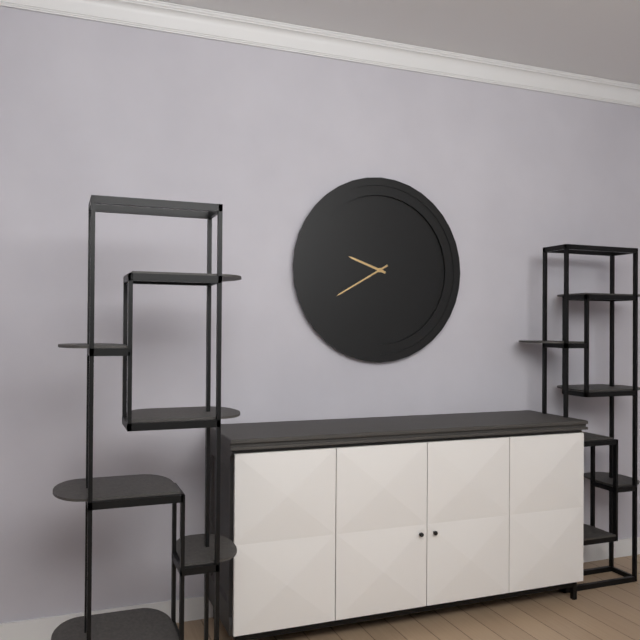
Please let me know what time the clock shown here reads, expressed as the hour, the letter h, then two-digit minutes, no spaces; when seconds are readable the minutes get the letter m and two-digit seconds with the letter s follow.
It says 9h40
